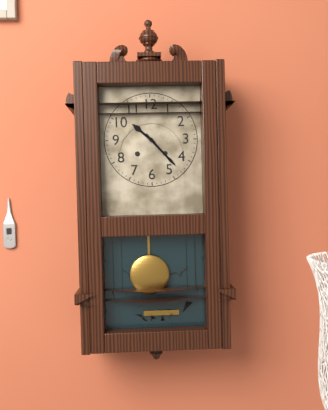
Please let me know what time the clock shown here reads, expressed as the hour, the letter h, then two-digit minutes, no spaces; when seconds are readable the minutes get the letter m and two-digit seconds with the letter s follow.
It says 10h23
